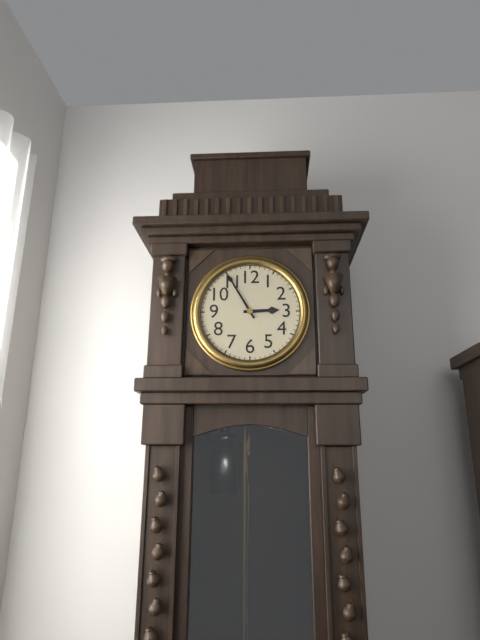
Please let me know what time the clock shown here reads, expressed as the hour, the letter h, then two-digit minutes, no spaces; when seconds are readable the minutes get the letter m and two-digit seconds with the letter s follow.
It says 2h55
